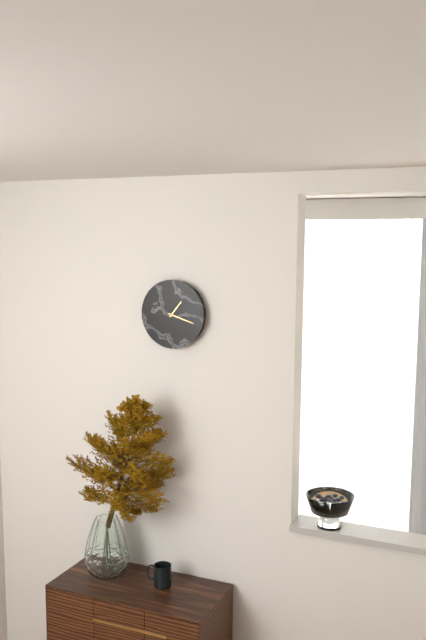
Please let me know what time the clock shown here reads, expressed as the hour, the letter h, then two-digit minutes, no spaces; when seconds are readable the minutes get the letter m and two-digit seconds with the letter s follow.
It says 1h18
